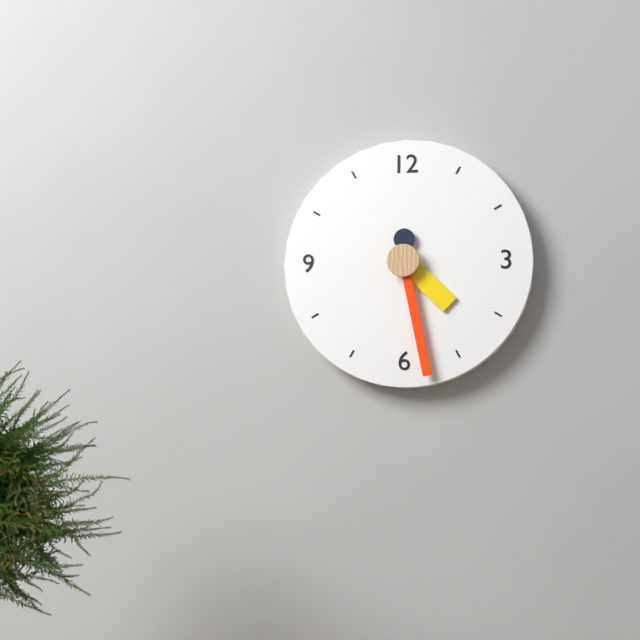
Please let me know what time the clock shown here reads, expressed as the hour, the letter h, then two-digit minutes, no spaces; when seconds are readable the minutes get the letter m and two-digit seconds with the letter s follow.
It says 4h28
